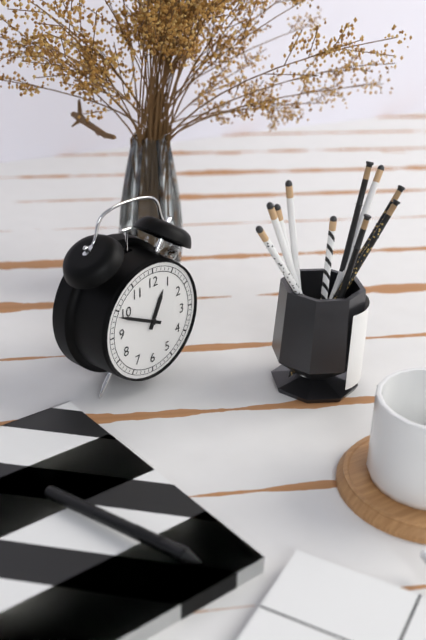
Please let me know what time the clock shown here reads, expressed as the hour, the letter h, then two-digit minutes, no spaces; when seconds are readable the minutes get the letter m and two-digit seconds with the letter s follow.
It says 12h49
